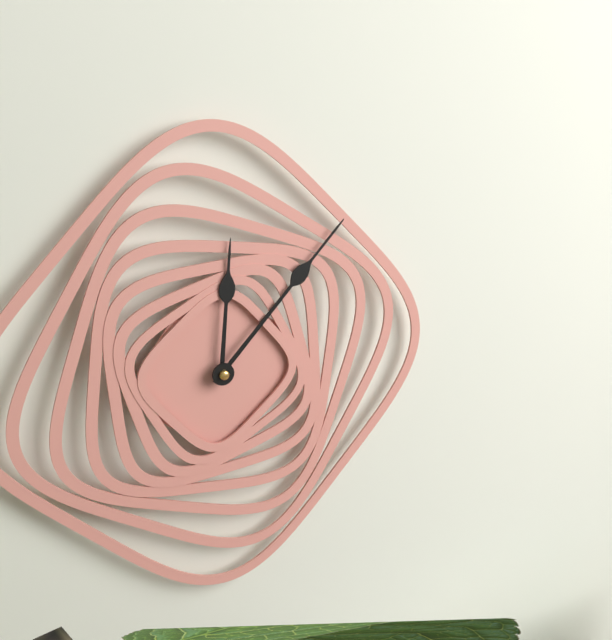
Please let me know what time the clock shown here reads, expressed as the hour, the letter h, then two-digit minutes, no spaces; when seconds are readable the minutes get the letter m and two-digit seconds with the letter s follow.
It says 12h07
